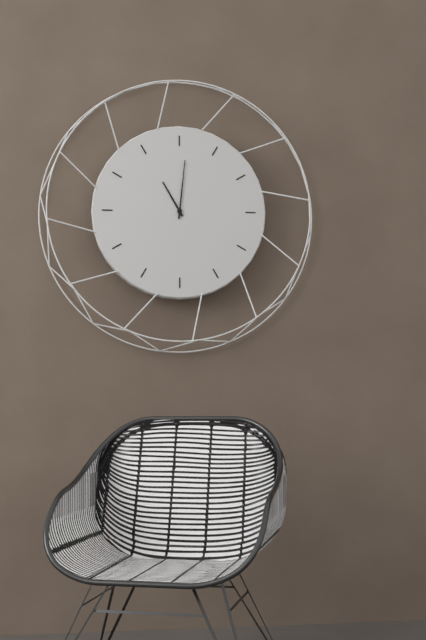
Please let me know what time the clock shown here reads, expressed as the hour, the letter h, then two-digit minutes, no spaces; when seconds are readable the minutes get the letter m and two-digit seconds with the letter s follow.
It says 11h01
